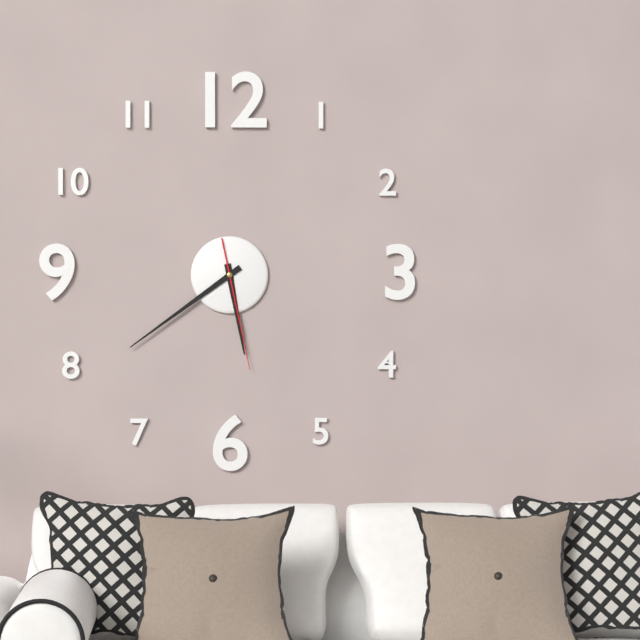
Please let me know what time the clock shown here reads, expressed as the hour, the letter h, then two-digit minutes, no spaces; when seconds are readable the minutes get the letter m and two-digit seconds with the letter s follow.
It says 5h39m28s
